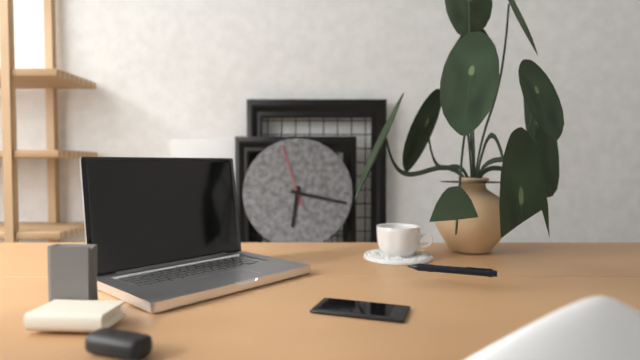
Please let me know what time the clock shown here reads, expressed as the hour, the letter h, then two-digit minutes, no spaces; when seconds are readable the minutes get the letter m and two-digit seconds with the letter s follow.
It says 6h17m57s
